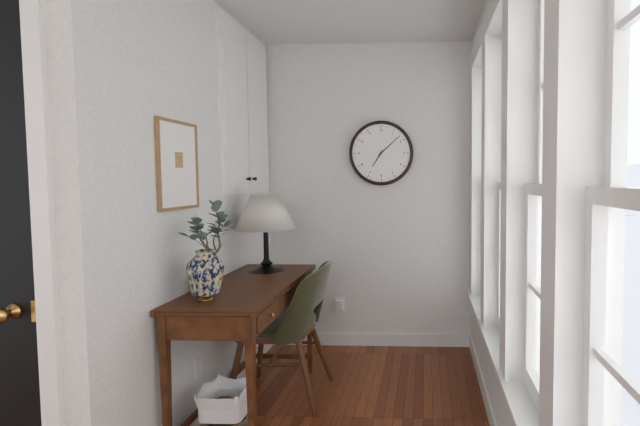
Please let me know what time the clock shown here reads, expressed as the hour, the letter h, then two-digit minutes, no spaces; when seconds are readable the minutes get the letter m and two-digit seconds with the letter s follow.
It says 7h08
